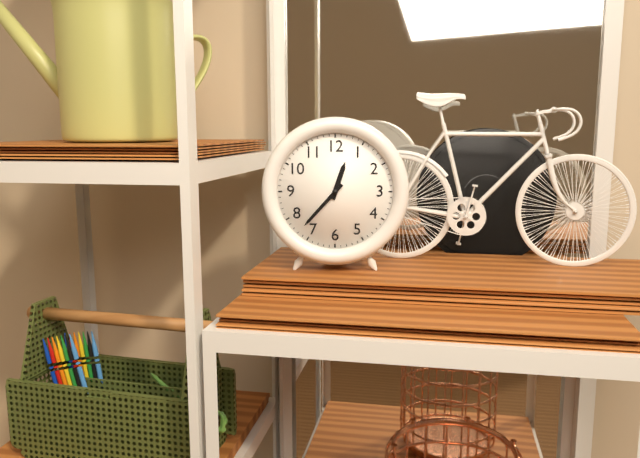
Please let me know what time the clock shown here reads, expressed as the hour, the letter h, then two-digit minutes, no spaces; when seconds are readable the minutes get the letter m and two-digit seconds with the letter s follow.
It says 12h37
